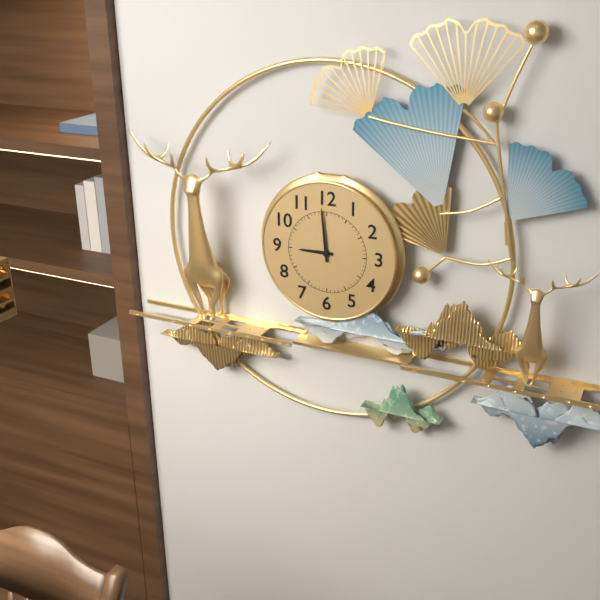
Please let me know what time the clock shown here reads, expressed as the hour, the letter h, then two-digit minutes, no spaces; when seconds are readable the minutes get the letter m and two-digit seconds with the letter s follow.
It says 8h59
